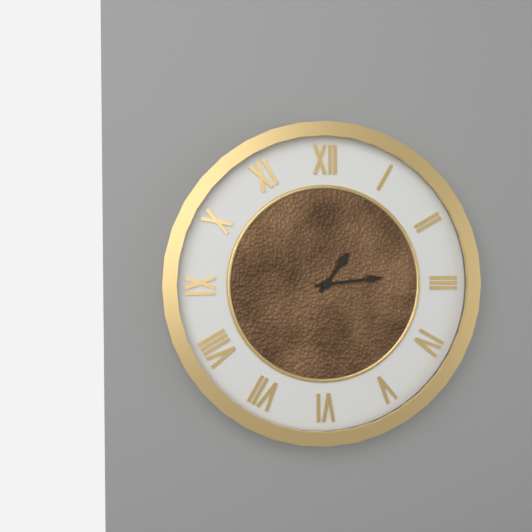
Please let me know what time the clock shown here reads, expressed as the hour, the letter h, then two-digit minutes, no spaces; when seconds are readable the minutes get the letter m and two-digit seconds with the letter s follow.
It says 1h14
